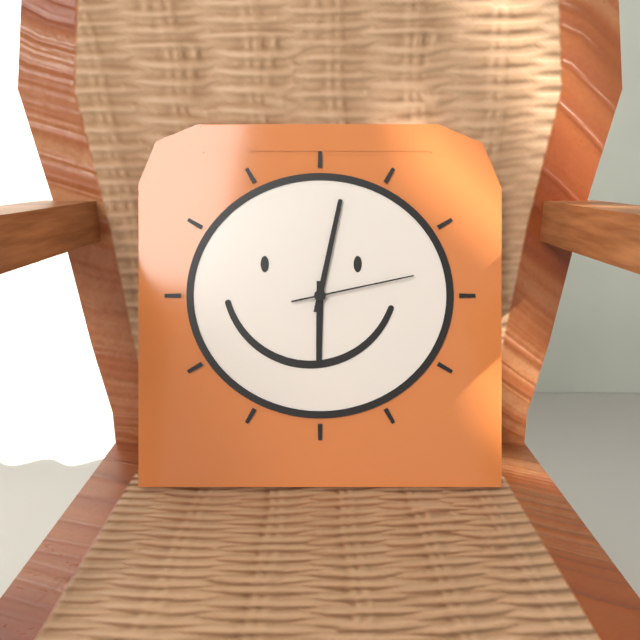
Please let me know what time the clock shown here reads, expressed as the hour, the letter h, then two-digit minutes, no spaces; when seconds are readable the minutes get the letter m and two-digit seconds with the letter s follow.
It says 6h02m13s
